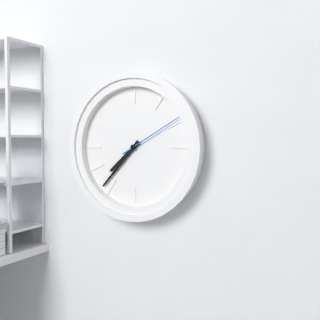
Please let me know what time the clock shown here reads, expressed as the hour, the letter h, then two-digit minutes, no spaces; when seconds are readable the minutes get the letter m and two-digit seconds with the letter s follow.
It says 7h37m10s
